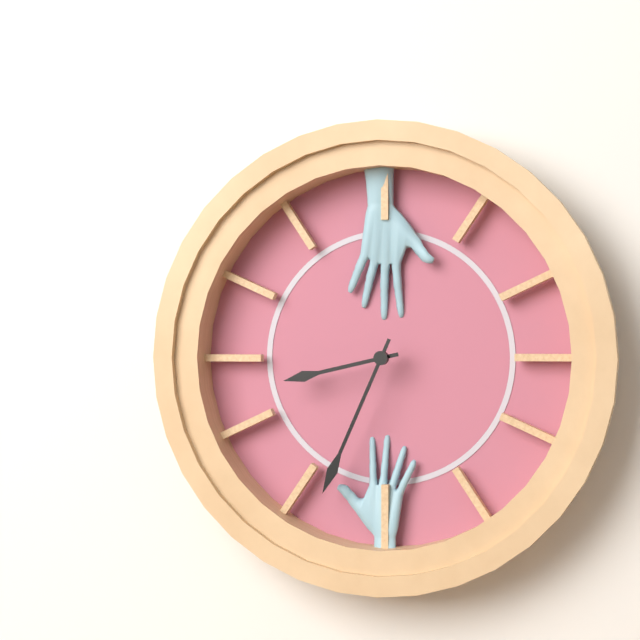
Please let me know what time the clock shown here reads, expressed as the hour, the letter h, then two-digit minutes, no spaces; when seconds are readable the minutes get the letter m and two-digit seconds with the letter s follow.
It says 8h34
